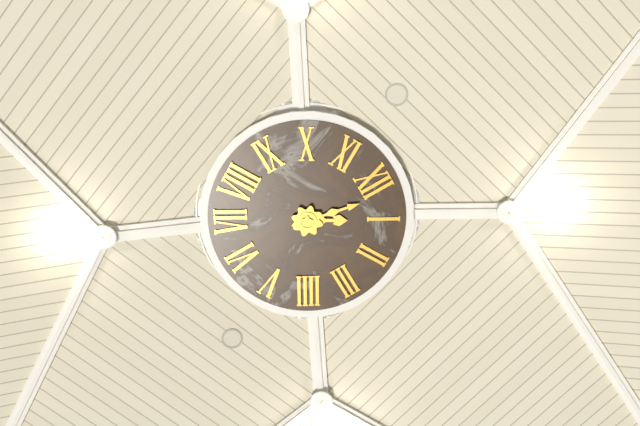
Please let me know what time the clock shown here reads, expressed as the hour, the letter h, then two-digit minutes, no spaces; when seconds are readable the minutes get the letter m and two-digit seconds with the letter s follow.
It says 1h02
